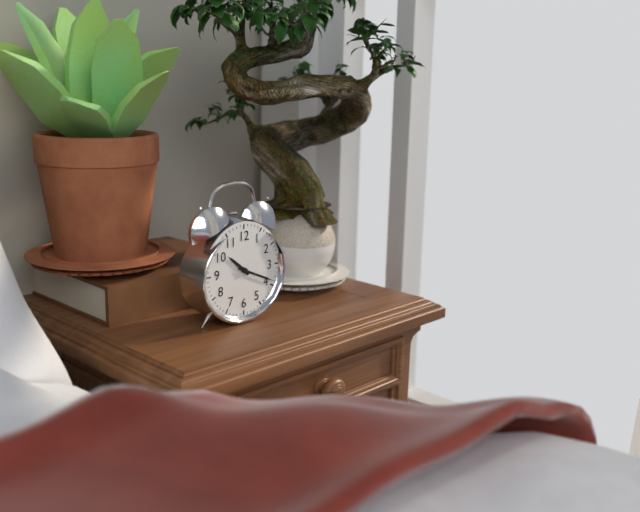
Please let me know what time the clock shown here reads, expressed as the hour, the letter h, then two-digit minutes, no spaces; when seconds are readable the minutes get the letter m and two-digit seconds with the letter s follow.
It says 10h19
